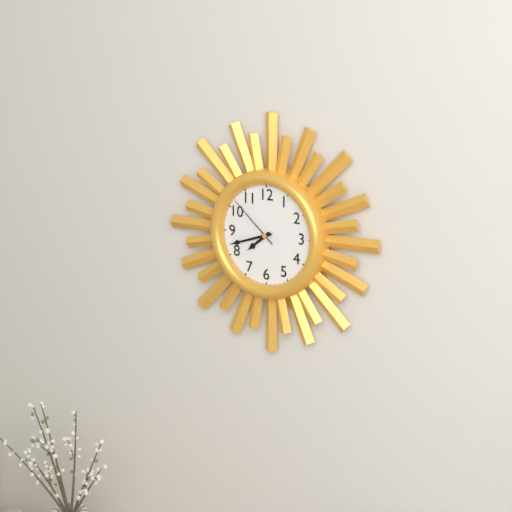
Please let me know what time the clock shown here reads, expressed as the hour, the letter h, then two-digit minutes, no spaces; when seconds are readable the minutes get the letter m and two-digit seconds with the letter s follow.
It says 7h42m52s
